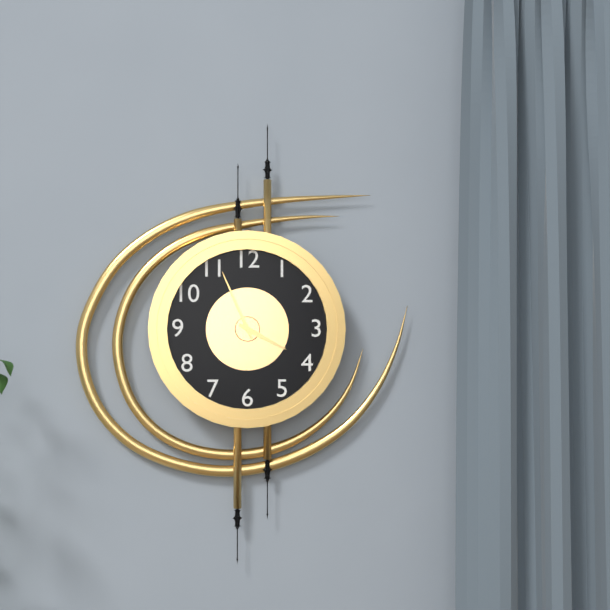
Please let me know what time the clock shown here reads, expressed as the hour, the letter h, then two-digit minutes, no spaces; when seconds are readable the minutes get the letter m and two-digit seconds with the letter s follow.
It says 3h56
